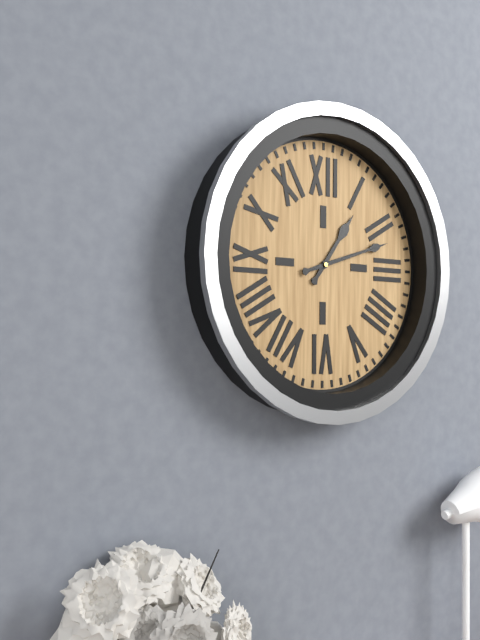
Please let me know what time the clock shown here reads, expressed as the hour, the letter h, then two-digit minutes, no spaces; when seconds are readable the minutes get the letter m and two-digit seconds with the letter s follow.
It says 1h12
